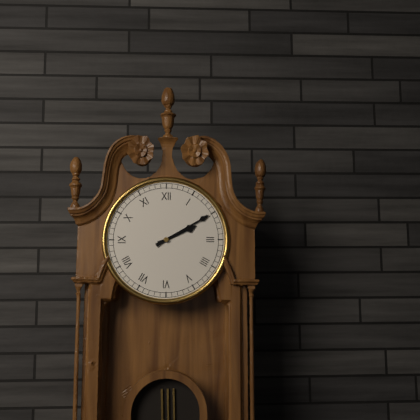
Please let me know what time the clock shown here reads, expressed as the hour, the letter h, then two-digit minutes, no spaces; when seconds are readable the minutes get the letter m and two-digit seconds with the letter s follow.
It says 2h10
